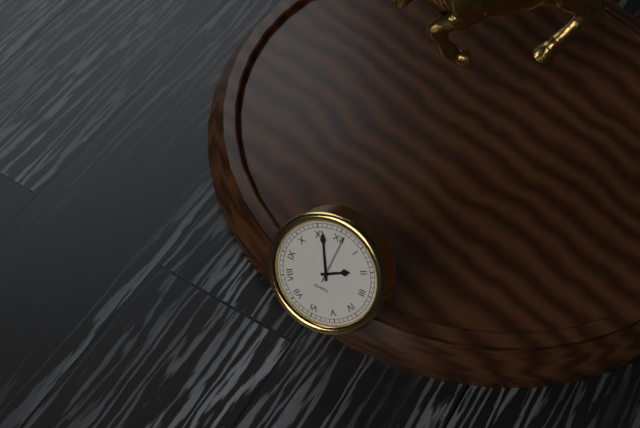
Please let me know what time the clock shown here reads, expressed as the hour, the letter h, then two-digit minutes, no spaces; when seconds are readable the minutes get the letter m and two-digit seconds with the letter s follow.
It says 1h56m01s
